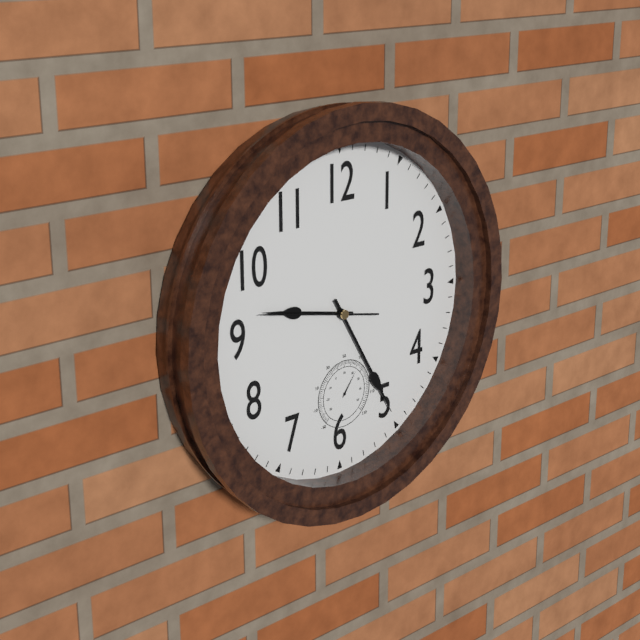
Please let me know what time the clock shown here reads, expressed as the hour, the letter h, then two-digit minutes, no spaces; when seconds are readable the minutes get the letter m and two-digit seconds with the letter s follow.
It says 9h25m47s
